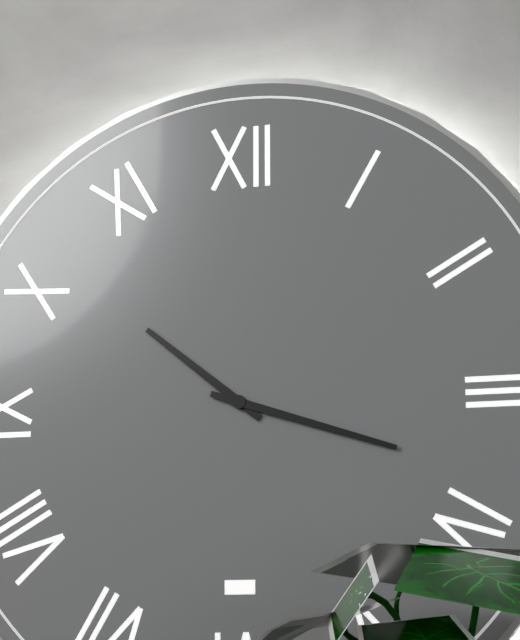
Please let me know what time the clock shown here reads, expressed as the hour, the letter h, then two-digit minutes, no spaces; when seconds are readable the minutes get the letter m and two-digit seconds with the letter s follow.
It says 10h18
